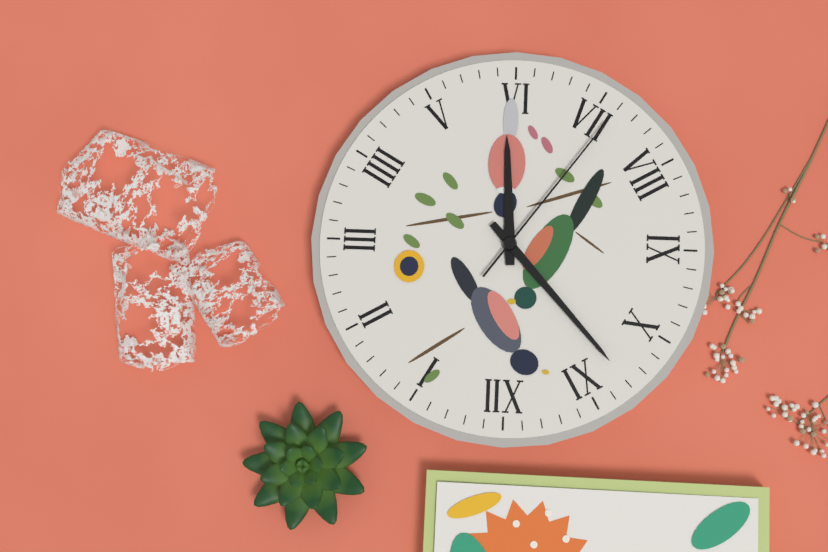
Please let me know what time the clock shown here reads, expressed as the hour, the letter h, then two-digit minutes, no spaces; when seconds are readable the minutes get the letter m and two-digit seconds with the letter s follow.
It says 5h53m36s
